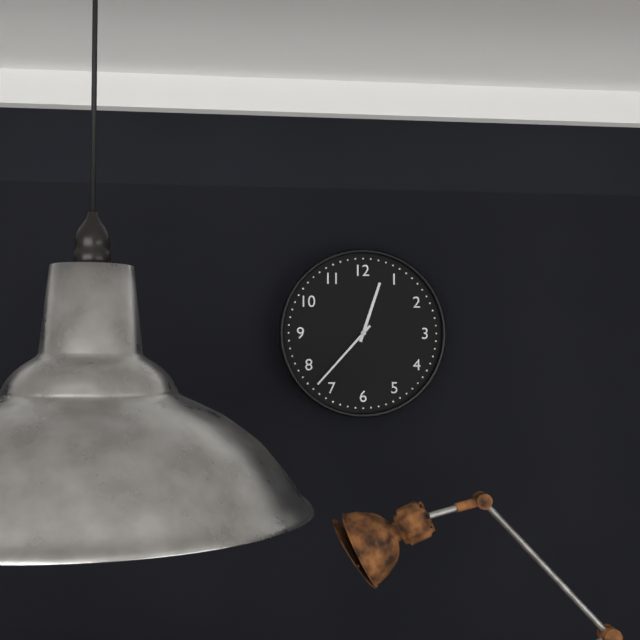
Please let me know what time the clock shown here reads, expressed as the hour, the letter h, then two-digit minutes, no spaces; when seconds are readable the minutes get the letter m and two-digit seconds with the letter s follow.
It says 12h37
